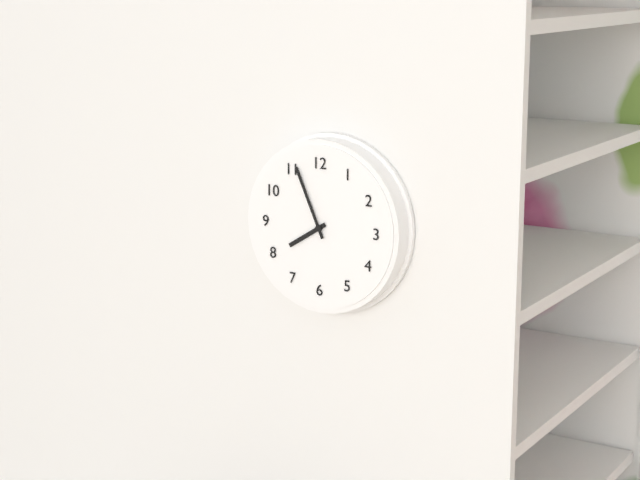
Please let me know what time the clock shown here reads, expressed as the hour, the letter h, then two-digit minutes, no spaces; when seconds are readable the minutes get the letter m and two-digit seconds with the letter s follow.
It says 7h56
